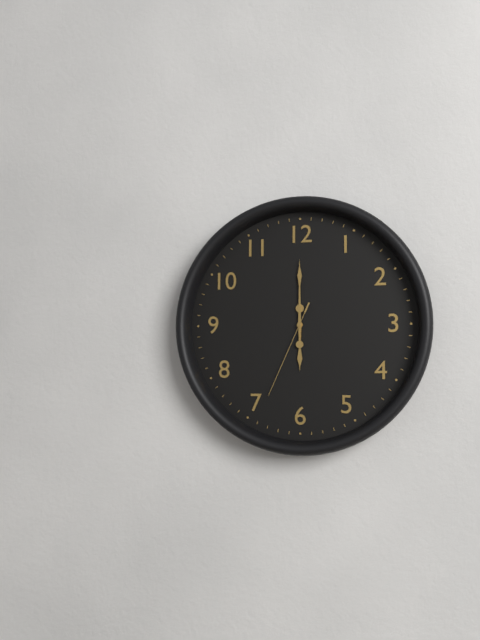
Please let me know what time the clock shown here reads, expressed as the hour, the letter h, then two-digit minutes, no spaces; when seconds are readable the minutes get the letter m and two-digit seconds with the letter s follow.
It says 6h00m34s
